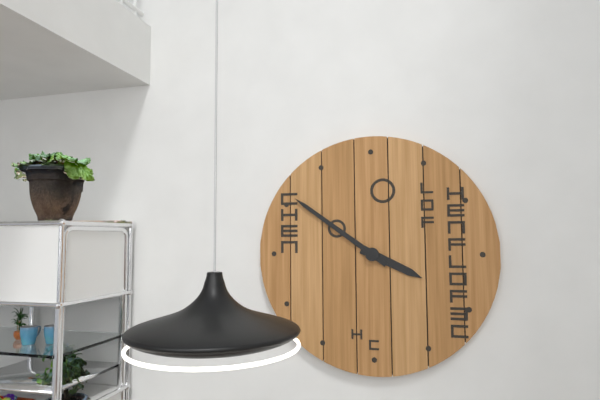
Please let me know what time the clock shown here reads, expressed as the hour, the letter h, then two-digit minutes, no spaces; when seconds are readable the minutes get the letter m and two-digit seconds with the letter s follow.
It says 3h51
